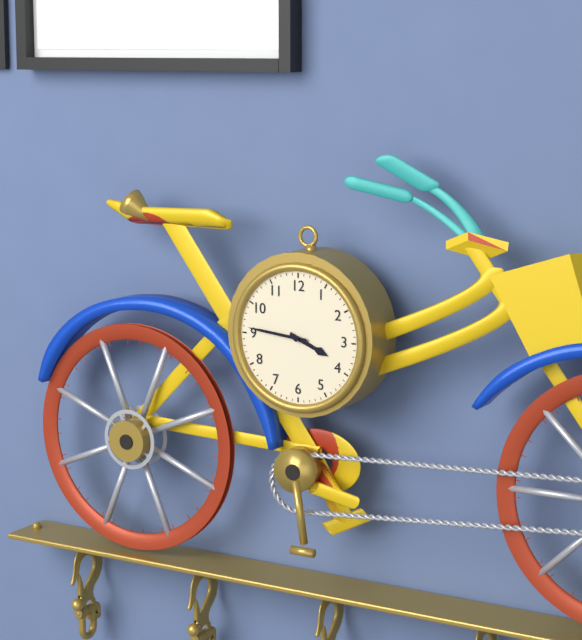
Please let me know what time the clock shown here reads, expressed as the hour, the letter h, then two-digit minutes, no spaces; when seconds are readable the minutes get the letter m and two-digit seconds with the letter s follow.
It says 3h46
